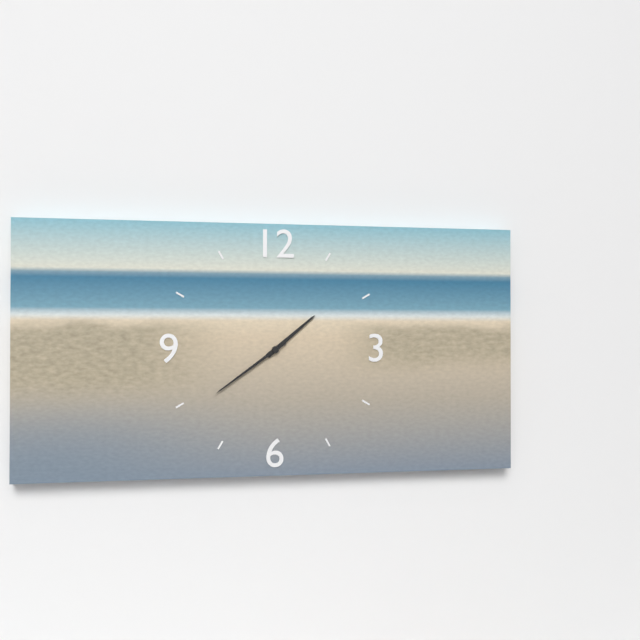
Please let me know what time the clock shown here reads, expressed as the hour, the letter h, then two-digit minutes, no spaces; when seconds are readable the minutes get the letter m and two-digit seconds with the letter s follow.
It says 1h39
